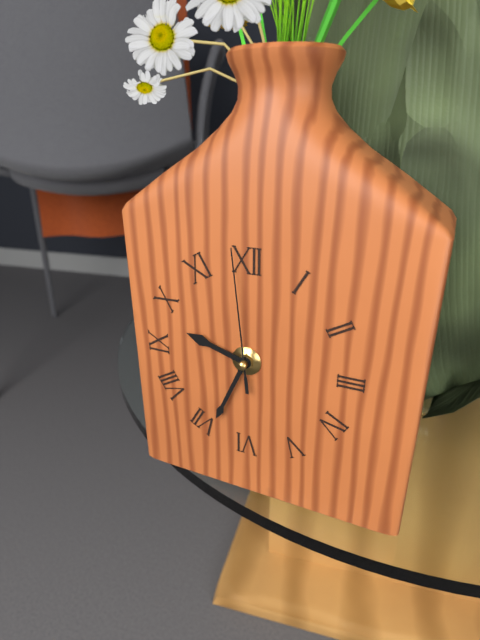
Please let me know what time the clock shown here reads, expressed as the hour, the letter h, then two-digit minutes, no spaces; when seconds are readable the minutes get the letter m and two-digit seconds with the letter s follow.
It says 9h34m59s
